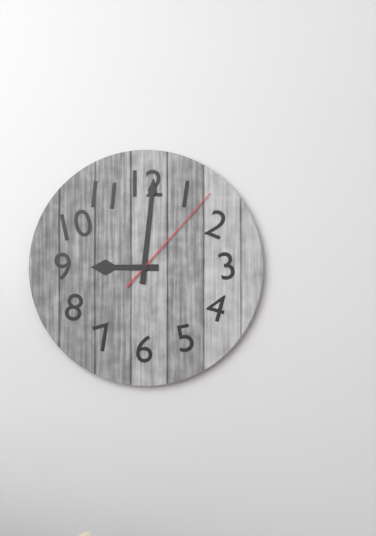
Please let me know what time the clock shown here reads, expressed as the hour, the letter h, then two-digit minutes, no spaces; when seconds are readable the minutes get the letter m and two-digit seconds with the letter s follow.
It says 9h01m07s
